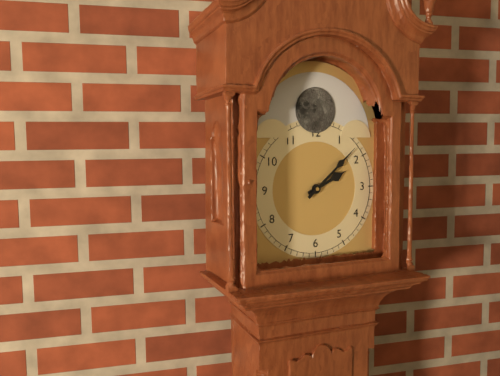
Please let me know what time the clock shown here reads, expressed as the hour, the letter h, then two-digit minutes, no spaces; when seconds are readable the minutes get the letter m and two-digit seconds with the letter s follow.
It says 2h08
